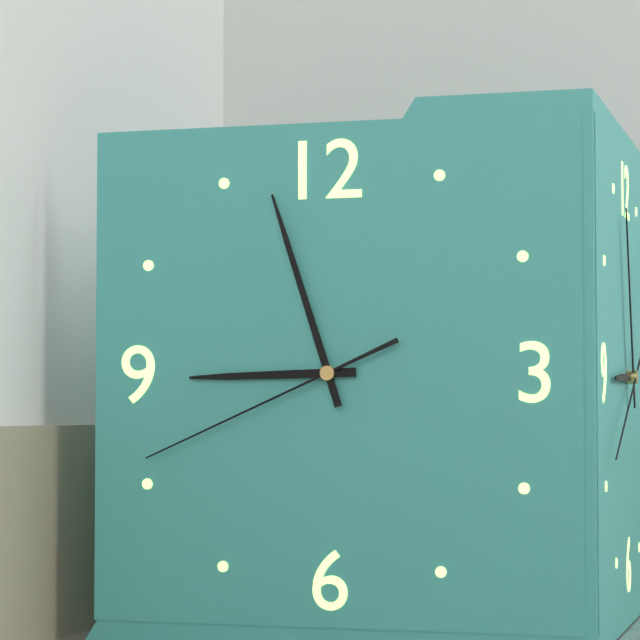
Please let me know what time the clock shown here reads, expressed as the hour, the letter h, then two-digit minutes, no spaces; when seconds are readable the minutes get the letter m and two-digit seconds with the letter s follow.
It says 8h57m41s
